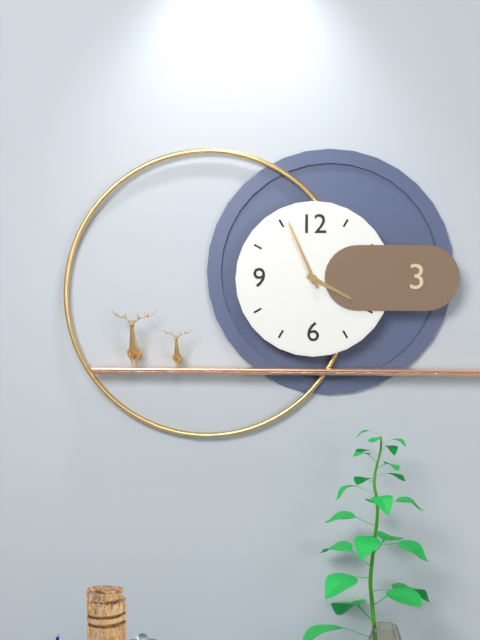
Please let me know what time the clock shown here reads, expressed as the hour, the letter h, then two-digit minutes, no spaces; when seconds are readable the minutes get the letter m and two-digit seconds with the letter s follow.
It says 3h56
